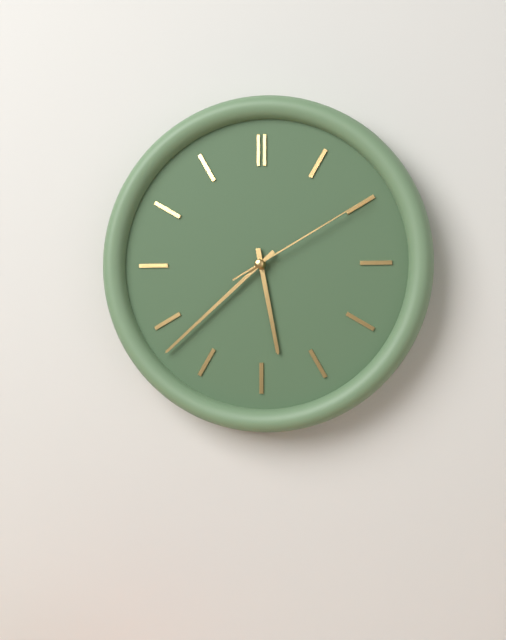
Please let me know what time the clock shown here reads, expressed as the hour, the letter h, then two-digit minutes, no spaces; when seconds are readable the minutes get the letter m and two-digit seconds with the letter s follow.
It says 5h38m10s
